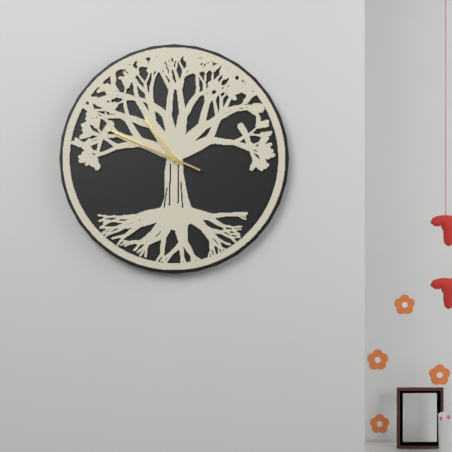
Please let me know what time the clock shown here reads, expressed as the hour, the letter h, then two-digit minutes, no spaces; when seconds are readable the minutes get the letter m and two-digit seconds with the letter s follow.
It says 10h49
